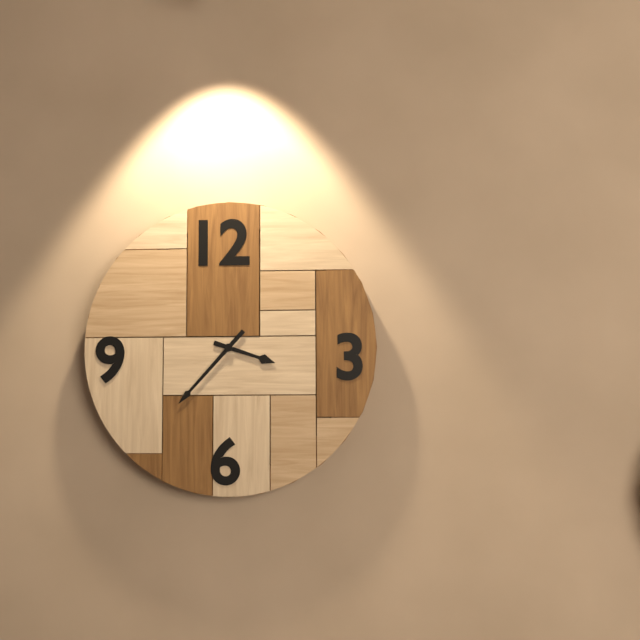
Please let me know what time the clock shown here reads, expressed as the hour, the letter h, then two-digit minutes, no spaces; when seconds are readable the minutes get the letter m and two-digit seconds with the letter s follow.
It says 3h37
